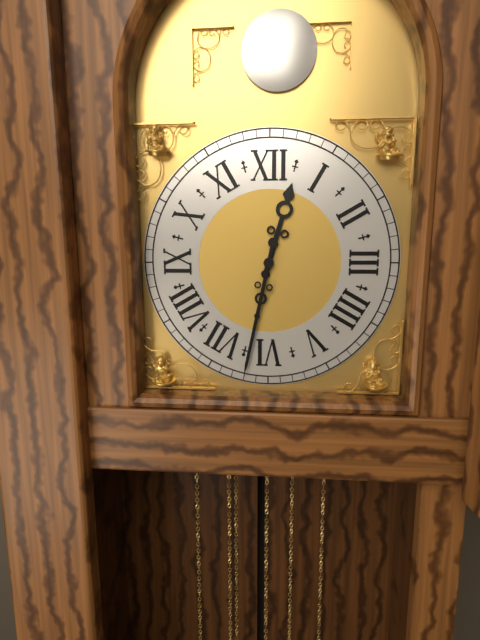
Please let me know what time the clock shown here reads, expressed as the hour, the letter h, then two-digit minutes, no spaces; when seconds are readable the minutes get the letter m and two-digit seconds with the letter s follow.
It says 12h32
